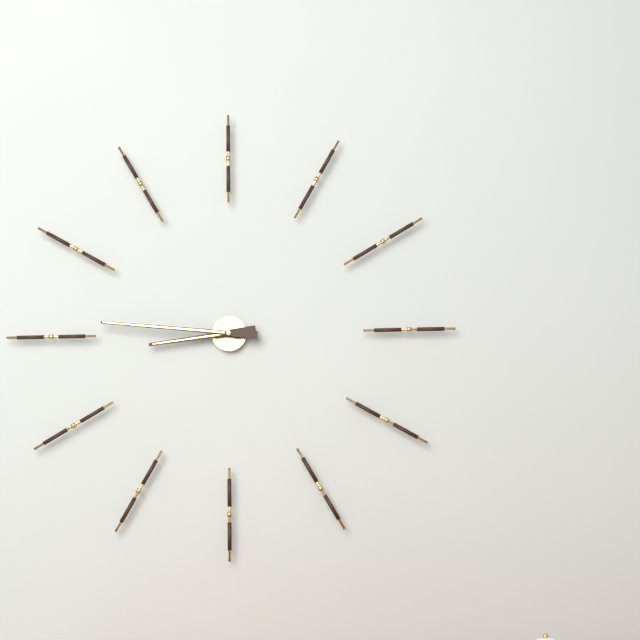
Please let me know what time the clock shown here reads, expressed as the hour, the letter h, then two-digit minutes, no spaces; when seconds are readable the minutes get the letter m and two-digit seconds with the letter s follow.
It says 8h46
